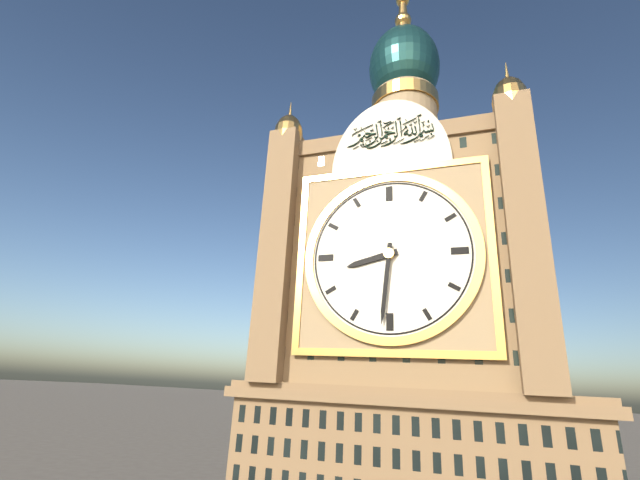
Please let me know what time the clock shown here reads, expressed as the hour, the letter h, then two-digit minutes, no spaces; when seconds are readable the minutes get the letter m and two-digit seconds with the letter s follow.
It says 8h31
